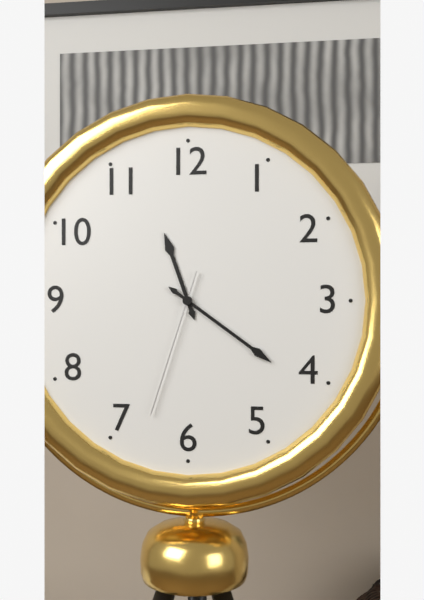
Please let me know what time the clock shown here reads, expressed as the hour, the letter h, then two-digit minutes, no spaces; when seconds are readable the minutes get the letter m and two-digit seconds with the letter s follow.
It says 11h21m33s
